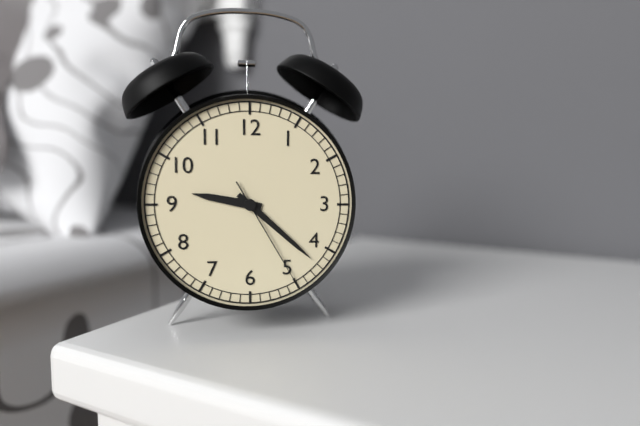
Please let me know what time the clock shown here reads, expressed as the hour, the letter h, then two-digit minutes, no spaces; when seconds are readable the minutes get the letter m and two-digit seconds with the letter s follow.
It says 9h22m25s
